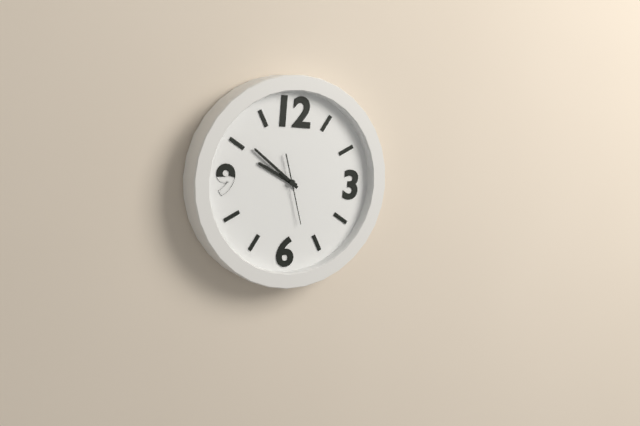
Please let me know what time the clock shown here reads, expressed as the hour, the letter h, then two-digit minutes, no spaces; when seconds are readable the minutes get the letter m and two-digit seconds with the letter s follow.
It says 9h51m27s
